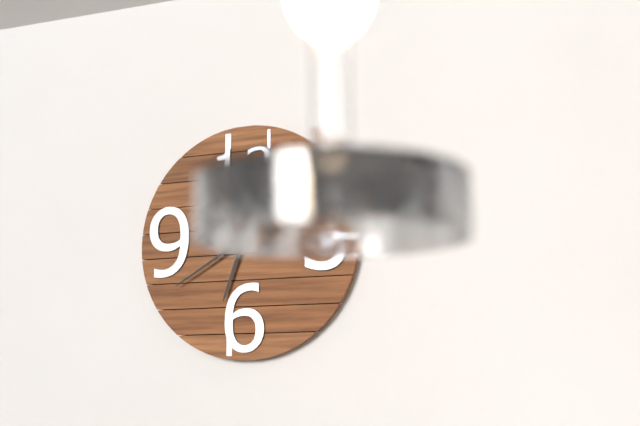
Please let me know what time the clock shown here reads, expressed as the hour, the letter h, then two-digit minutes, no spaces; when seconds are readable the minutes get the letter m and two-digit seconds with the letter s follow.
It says 6h40
